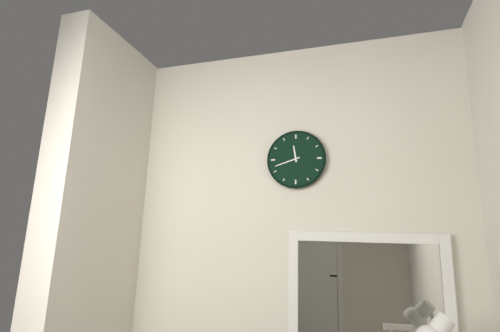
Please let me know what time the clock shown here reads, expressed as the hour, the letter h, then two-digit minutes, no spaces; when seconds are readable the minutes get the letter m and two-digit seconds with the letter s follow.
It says 11h42
